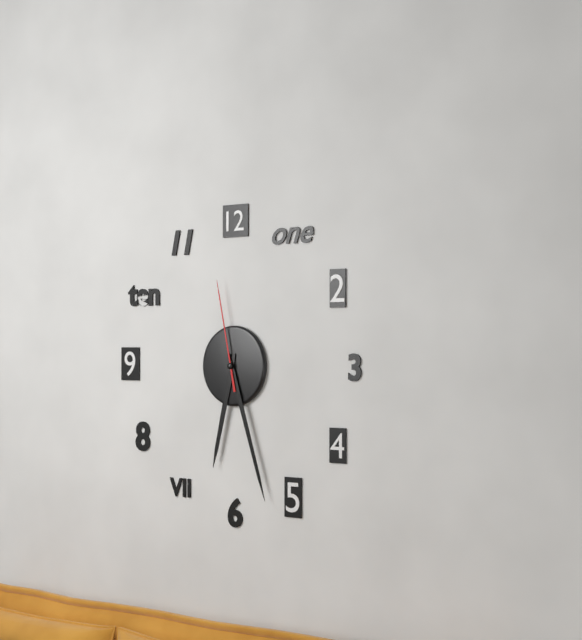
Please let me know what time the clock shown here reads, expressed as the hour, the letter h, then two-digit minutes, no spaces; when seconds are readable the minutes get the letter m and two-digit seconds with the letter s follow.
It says 6h27m58s
